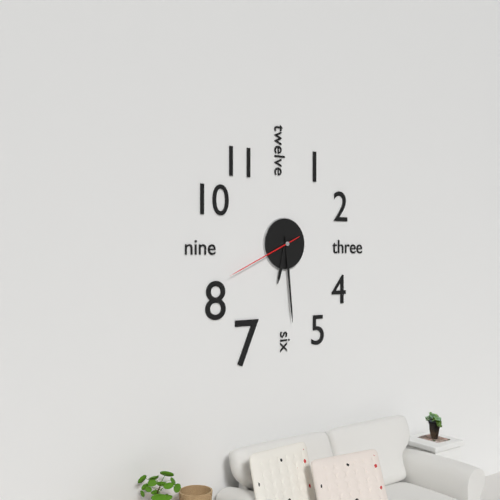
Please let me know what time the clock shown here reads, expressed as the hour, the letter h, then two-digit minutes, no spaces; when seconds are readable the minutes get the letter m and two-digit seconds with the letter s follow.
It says 6h29m41s
